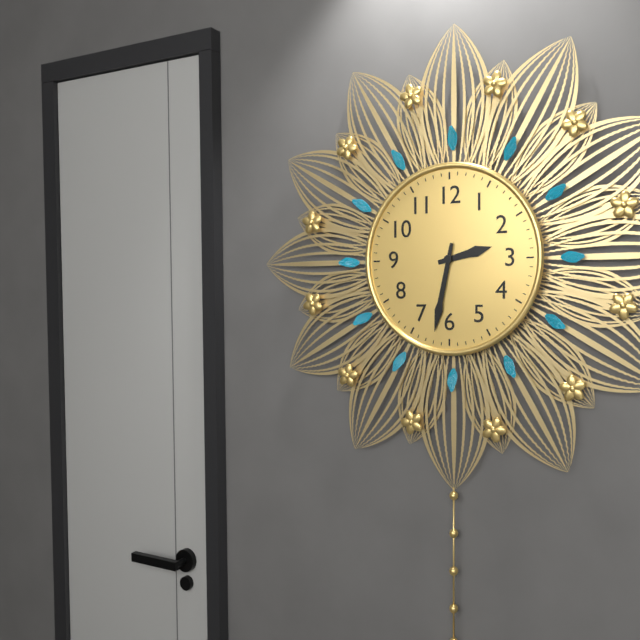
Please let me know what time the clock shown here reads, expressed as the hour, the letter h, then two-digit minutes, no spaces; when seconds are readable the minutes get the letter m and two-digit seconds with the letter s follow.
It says 2h32
